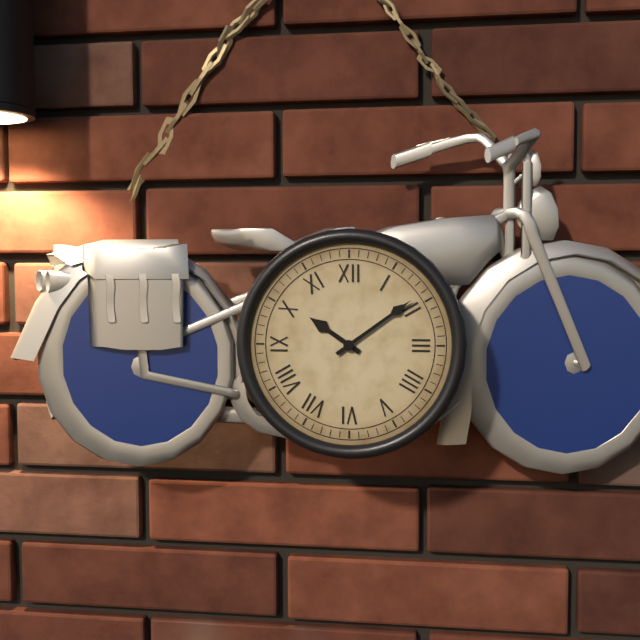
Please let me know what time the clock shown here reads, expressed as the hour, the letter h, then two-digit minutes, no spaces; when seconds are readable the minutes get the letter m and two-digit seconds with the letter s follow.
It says 10h09
